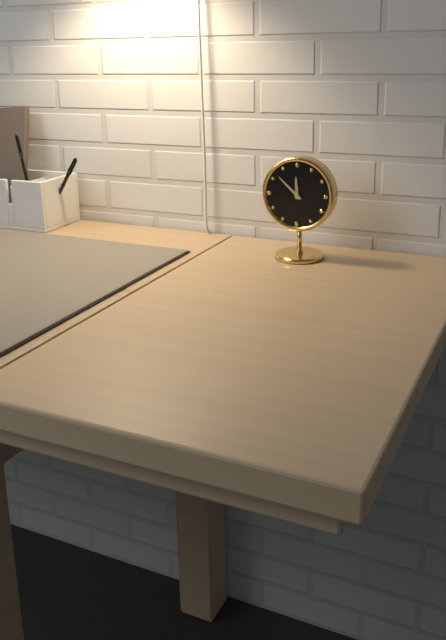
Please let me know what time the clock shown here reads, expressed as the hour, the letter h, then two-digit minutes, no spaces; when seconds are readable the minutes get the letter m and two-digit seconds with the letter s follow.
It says 11h52
